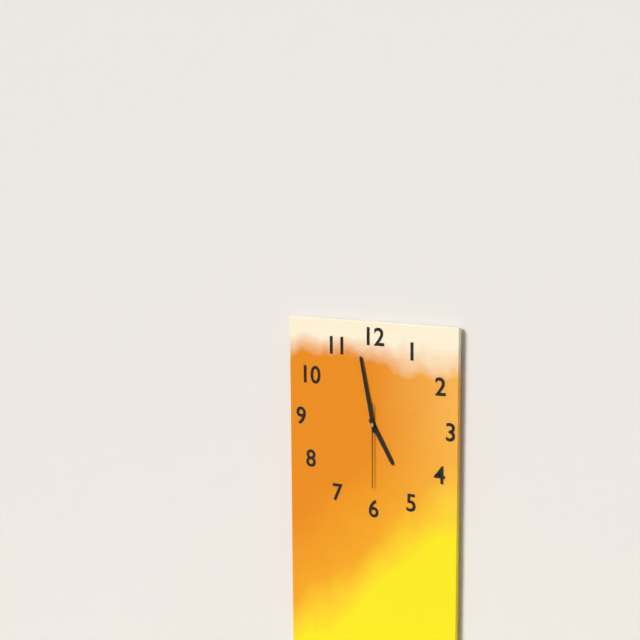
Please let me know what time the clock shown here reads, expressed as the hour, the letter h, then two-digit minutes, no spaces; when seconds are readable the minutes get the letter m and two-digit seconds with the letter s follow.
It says 4h58m30s
